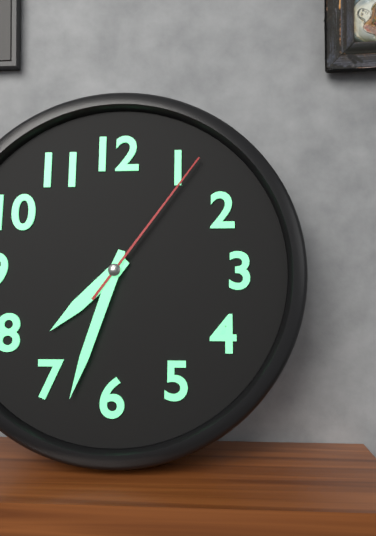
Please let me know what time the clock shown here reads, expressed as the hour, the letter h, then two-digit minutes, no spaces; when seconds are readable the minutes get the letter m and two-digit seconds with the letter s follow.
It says 7h33m06s
